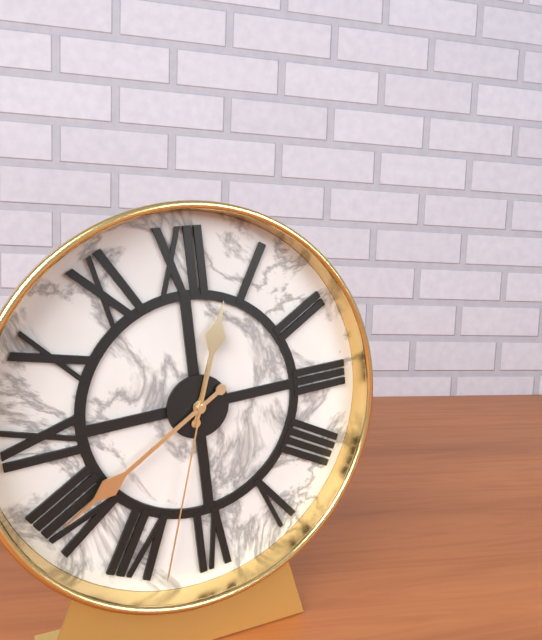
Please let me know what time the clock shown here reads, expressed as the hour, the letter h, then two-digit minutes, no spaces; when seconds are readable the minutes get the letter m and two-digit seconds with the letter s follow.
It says 12h40m33s
